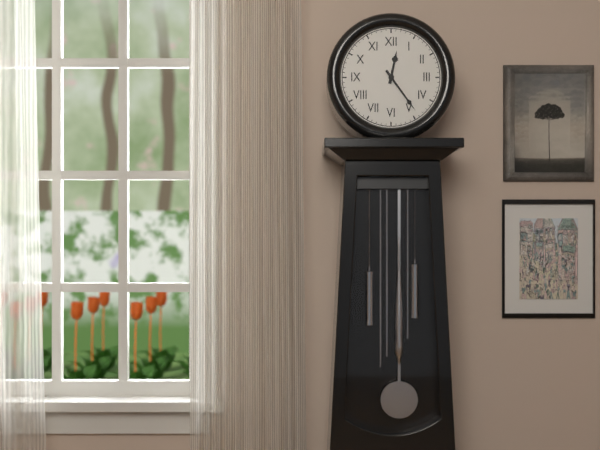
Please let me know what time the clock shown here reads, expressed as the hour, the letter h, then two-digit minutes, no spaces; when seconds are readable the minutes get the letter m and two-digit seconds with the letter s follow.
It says 12h24
